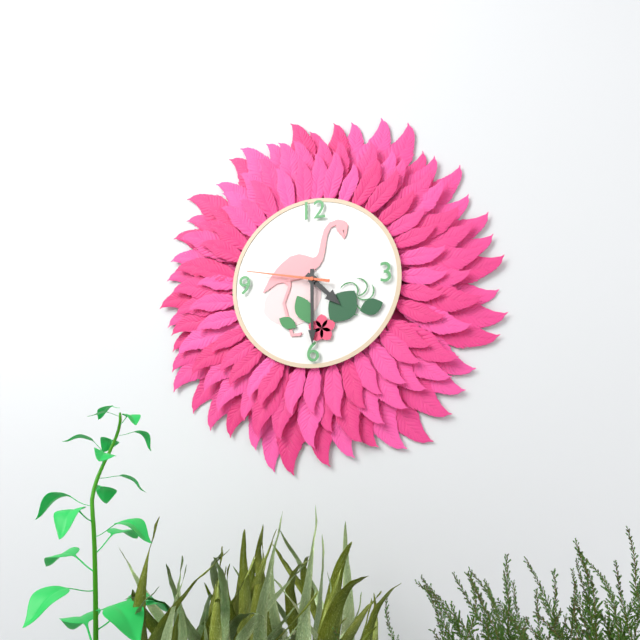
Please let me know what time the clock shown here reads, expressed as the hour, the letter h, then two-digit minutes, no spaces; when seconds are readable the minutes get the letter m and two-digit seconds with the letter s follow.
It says 4h30m47s
